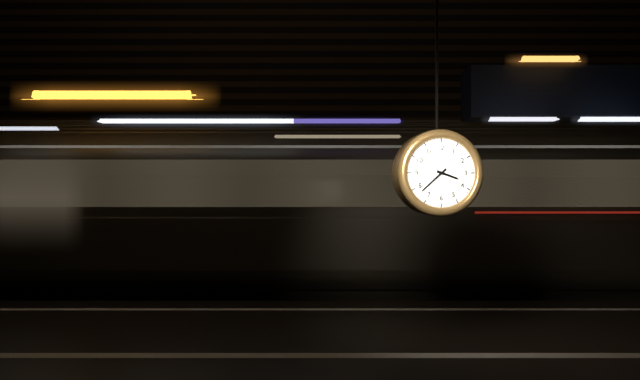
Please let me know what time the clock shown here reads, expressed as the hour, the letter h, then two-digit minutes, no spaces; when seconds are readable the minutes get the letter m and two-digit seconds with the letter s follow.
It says 3h38
